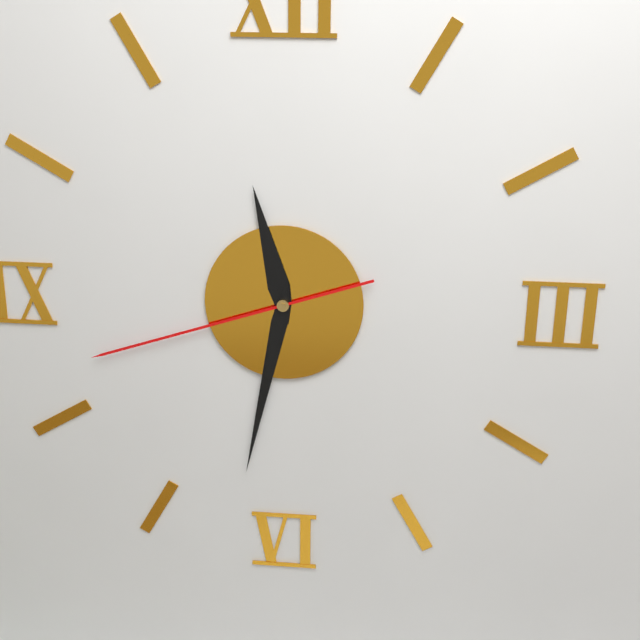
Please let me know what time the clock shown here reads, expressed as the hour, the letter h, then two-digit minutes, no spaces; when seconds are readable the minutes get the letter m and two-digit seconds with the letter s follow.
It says 11h32m42s
